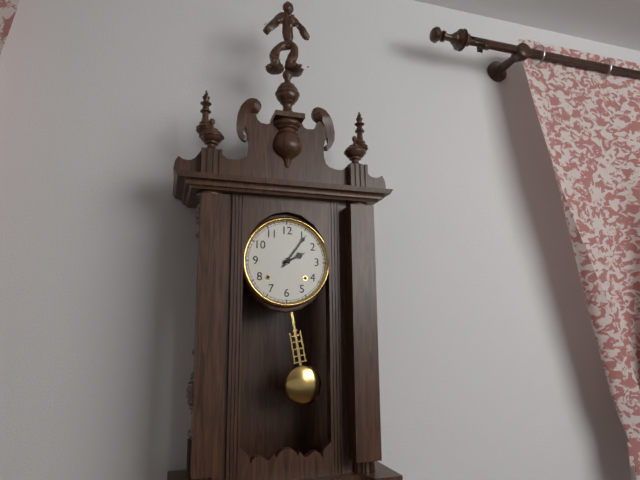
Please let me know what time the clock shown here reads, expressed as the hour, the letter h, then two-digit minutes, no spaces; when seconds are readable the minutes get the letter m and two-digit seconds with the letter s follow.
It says 2h06
